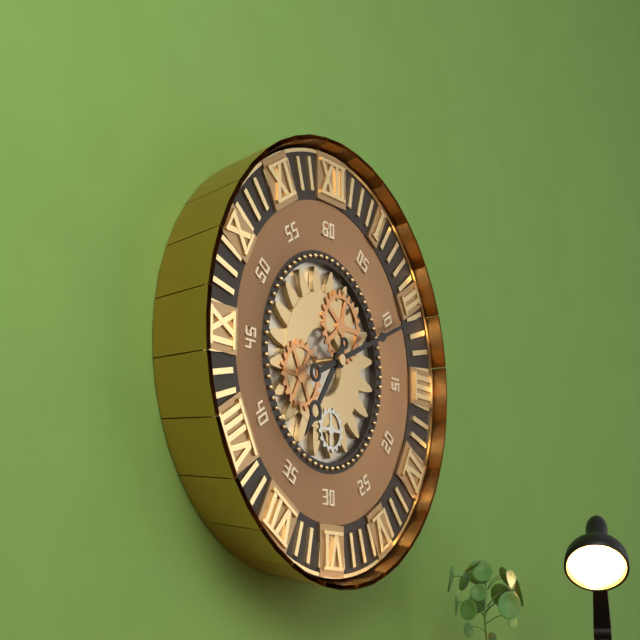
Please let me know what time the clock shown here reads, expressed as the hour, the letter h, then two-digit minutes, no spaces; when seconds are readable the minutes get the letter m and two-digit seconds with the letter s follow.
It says 7h11
